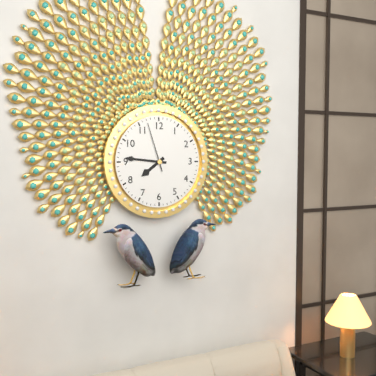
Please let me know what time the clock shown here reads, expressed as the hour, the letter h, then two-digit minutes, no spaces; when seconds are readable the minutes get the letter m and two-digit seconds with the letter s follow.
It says 7h46m57s
